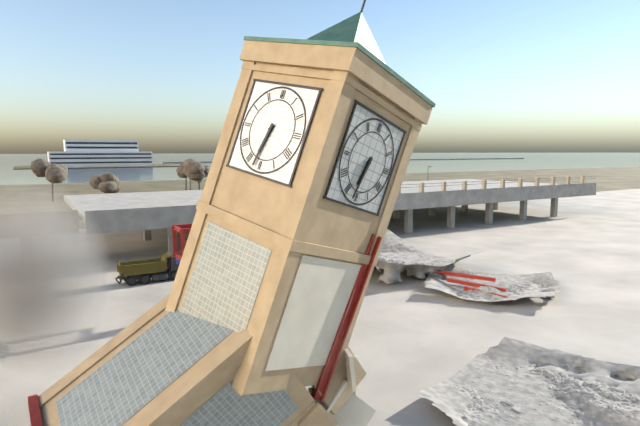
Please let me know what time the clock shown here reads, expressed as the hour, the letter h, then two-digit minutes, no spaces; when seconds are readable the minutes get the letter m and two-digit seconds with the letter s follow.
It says 6h32
